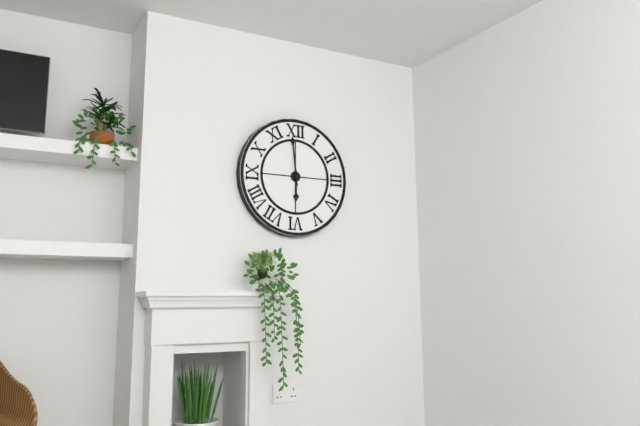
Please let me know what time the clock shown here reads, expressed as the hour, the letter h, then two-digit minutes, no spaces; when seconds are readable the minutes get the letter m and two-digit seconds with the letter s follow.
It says 5h59
